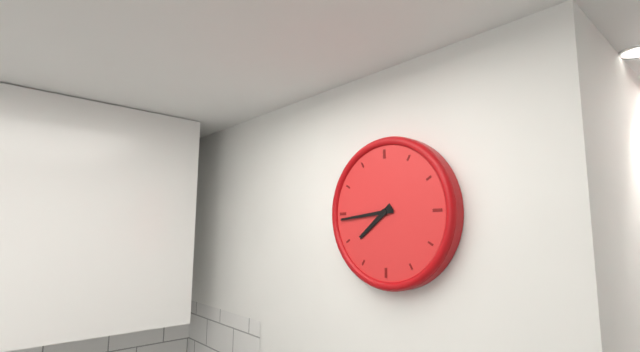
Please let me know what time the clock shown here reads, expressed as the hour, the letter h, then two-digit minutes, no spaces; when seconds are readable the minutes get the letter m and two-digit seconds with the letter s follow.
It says 7h44
